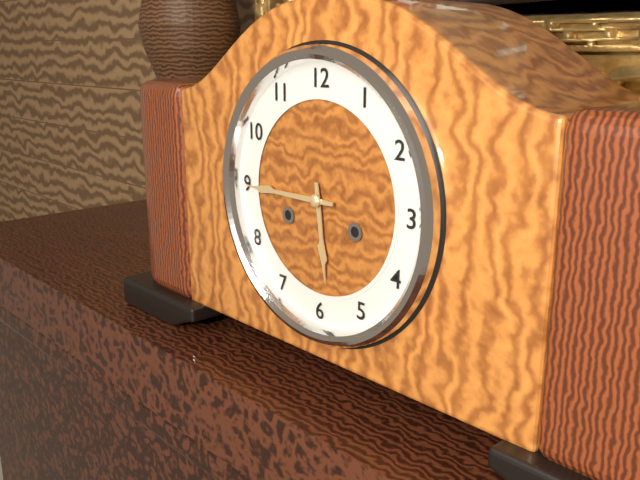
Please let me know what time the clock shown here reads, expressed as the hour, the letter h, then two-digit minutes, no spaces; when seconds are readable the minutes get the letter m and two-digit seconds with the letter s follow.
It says 5h45
